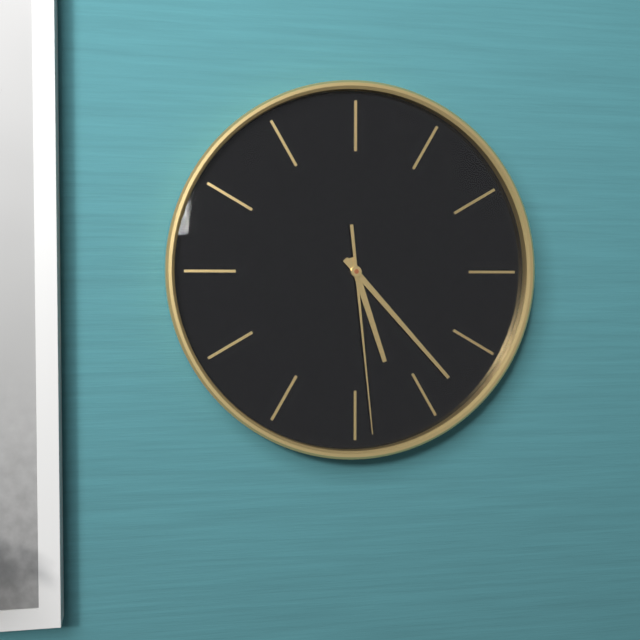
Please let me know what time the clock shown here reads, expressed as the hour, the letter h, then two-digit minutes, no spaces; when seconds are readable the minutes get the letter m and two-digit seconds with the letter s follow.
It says 5h23m29s
